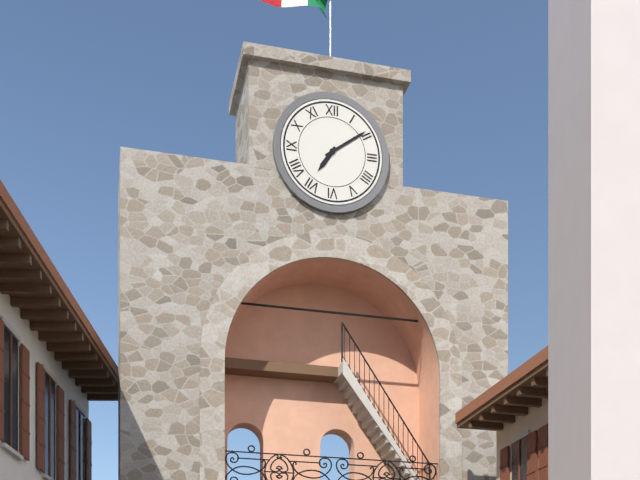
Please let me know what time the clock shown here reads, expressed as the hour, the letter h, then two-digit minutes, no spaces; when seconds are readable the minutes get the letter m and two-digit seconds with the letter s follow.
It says 7h09
